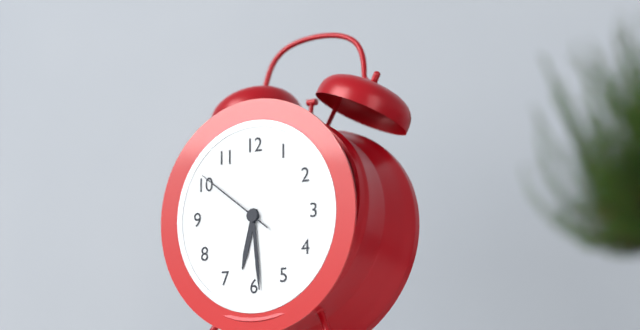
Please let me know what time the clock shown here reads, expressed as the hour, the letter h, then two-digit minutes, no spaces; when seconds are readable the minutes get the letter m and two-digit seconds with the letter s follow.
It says 6h29m51s
